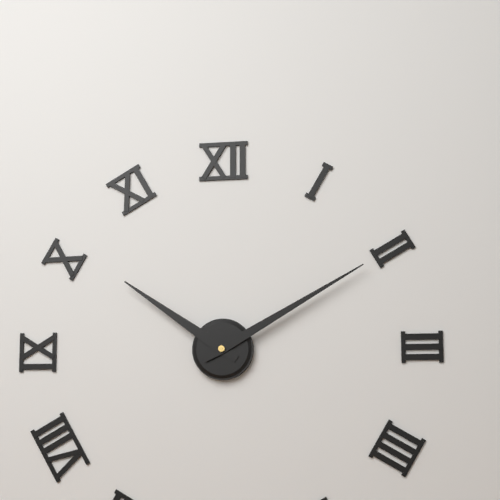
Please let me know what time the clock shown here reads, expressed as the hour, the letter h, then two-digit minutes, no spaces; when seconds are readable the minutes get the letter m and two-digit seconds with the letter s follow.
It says 10h10
